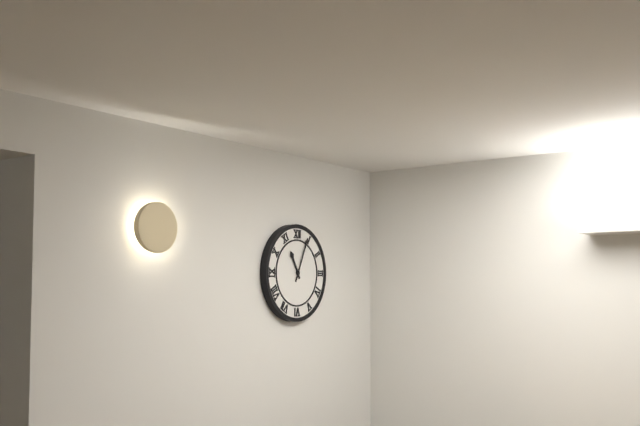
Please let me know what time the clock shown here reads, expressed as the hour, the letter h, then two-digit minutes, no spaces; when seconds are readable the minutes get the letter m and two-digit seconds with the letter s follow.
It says 11h04
